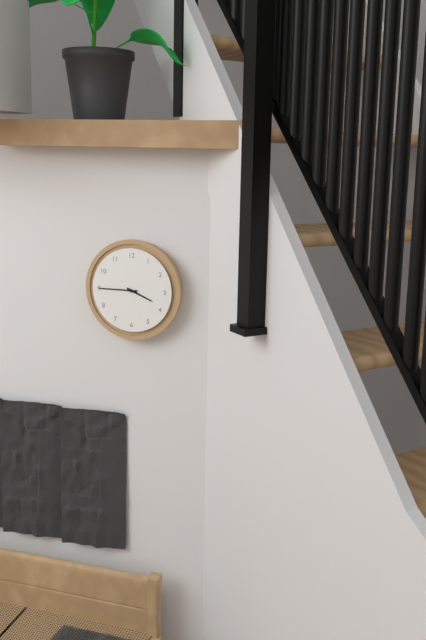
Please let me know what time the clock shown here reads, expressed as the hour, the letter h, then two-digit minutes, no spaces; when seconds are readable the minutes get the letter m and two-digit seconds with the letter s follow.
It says 3h45
